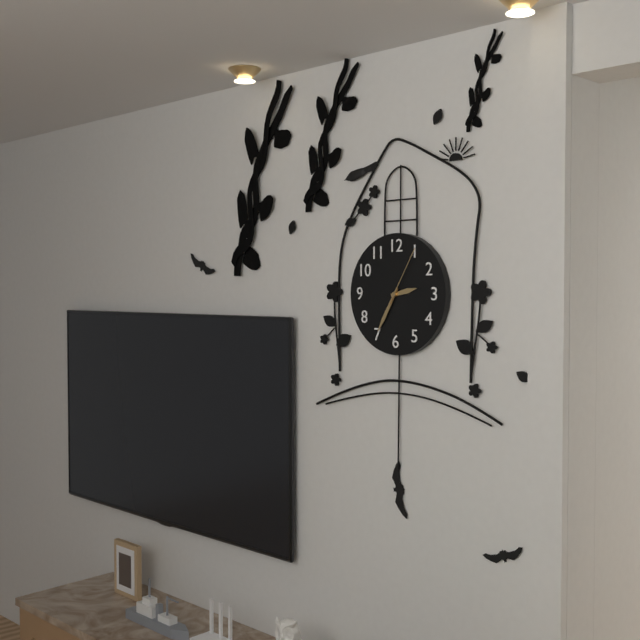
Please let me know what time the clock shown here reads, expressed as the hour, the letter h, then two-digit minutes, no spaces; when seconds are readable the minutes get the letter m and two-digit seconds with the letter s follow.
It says 2h35m05s
